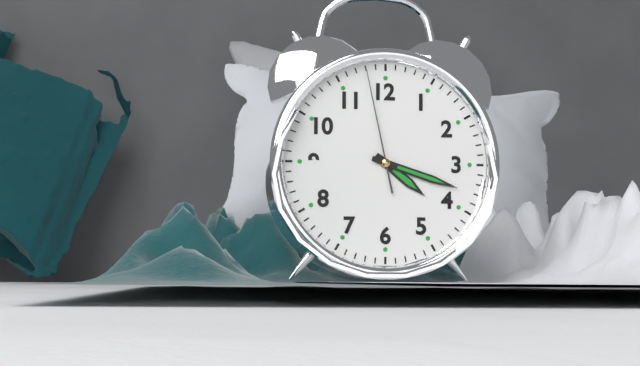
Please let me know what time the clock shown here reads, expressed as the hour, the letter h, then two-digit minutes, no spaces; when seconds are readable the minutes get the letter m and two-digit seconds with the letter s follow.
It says 4h18m58s
